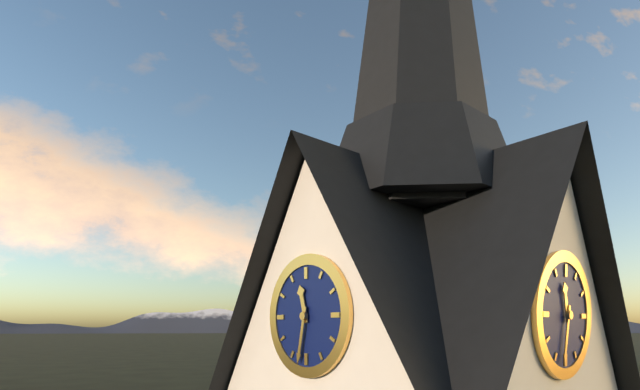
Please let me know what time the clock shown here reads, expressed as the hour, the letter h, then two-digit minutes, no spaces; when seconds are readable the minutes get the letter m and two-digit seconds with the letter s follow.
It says 11h32
